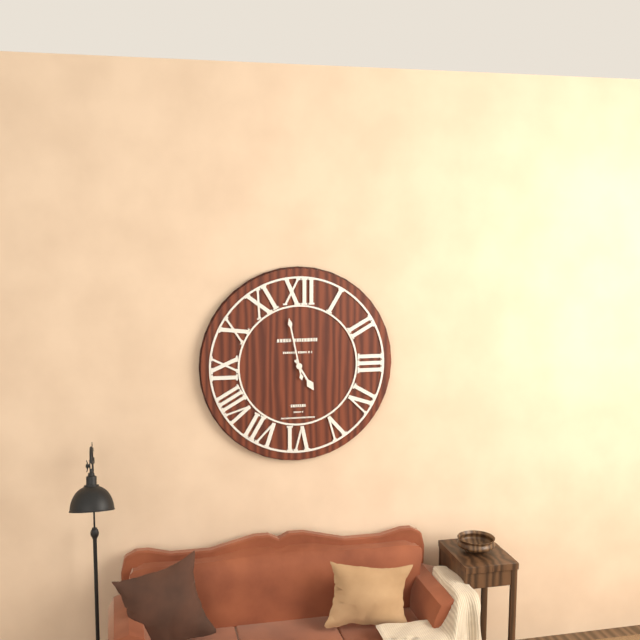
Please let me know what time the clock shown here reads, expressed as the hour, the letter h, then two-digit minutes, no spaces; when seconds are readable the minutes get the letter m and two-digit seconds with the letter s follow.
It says 4h58
